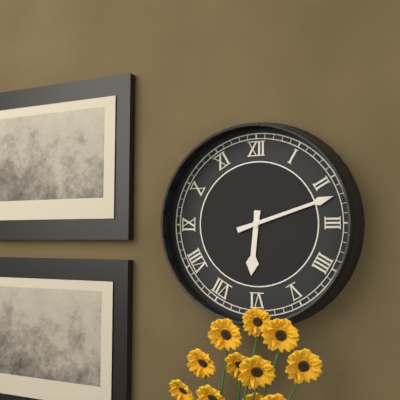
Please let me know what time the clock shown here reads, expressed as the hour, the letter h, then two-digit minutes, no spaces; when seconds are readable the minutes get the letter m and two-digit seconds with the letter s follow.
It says 6h12
